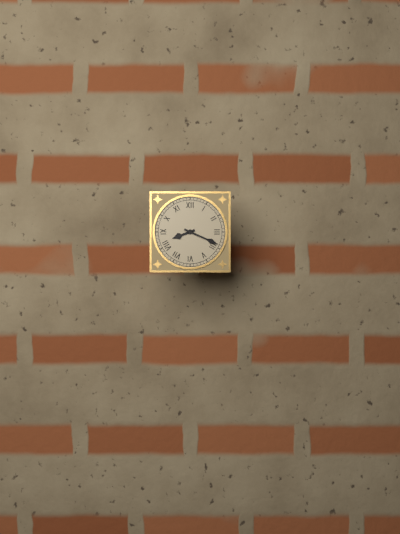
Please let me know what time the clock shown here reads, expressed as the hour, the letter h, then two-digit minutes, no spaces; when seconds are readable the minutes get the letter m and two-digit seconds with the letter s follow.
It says 8h19
